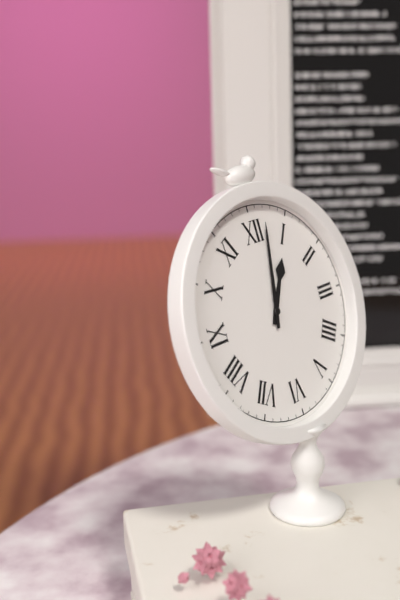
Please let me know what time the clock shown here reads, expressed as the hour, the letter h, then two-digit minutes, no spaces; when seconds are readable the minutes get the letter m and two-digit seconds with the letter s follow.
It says 1h02
